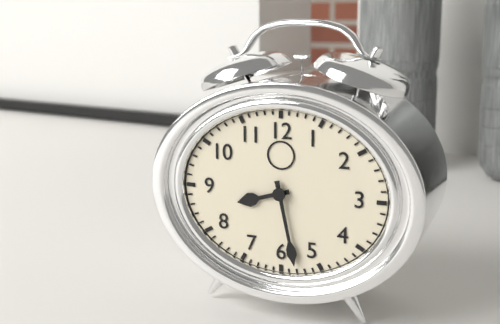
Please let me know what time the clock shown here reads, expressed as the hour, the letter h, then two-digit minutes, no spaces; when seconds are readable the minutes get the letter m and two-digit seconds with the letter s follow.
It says 8h28
